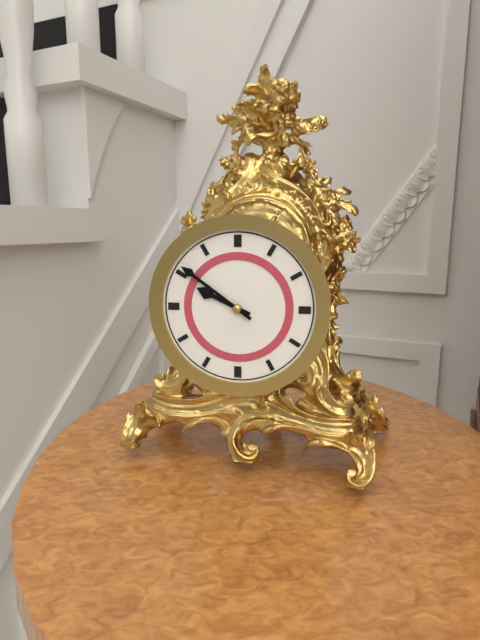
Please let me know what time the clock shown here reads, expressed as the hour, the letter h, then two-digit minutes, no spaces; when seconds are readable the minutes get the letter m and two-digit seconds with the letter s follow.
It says 9h51
